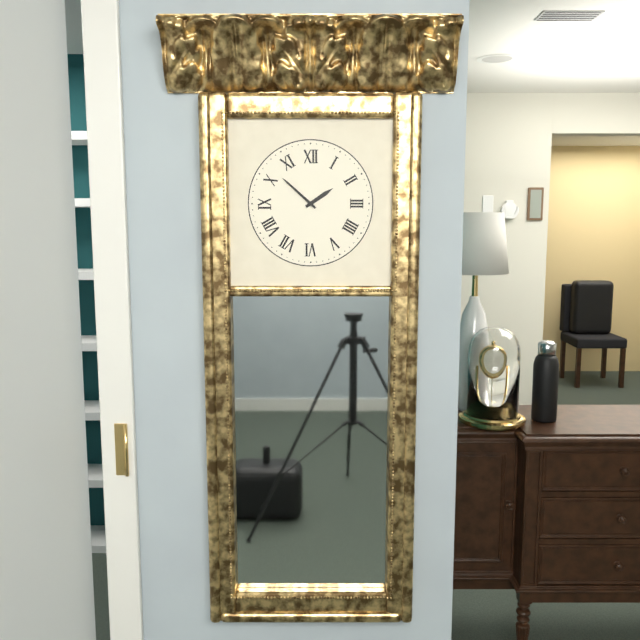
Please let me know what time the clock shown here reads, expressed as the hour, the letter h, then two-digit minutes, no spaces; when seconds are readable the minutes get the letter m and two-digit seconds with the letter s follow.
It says 1h52
